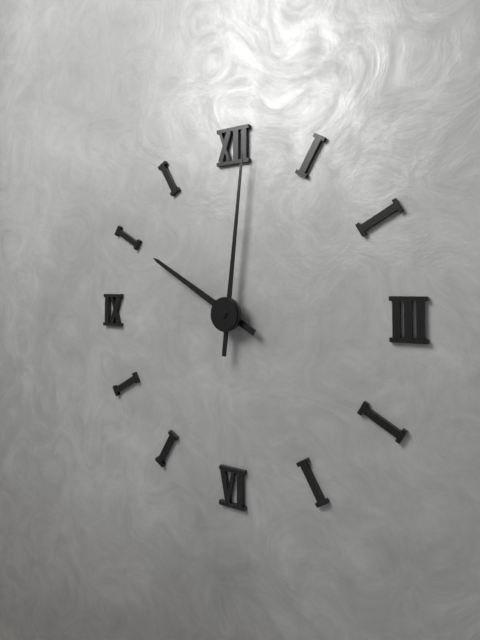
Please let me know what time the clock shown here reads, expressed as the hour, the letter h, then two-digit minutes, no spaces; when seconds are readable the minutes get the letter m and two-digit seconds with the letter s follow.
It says 10h01
